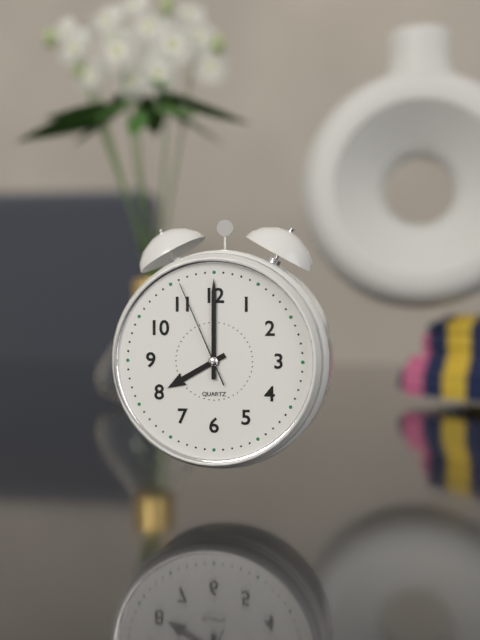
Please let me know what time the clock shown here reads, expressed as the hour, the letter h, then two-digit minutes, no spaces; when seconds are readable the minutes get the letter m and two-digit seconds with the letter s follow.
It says 8h00m56s
